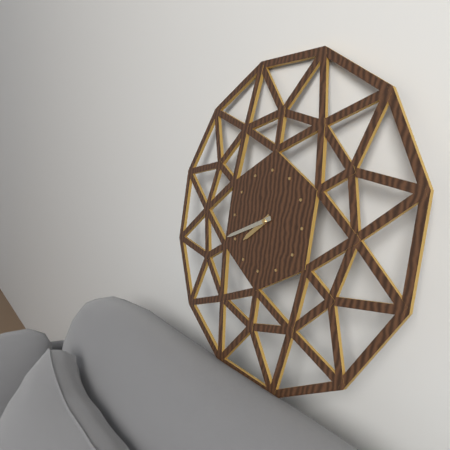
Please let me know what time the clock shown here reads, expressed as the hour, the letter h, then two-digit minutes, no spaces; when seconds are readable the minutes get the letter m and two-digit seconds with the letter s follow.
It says 7h41
